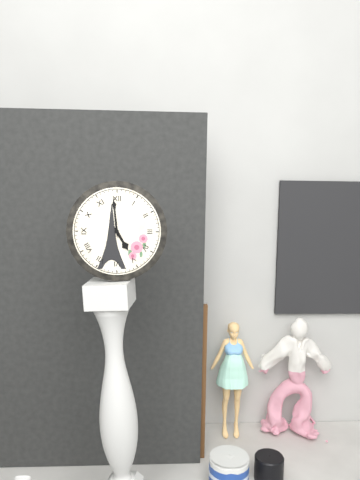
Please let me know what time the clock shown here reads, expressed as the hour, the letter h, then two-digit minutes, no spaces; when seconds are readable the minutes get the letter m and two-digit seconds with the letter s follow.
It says 4h59
